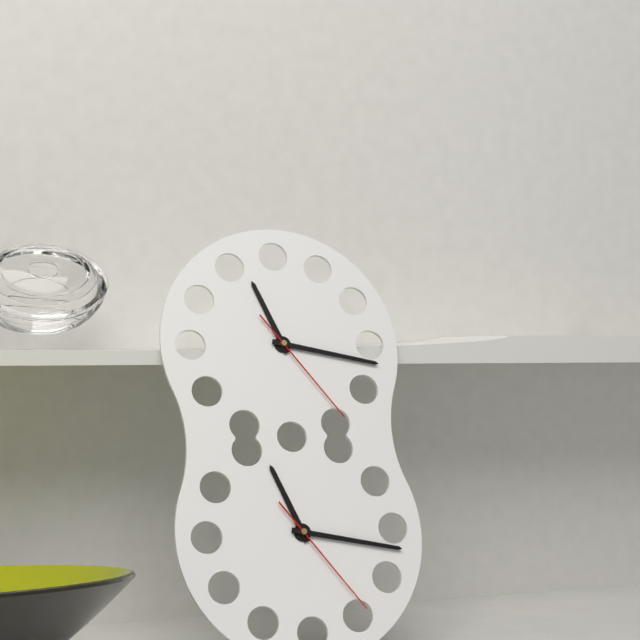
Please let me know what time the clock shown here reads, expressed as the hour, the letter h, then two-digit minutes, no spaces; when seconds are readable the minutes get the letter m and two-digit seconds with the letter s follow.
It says 11h17m24s
